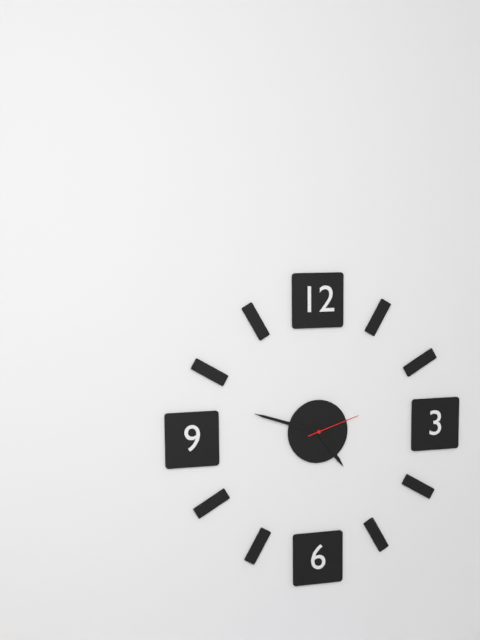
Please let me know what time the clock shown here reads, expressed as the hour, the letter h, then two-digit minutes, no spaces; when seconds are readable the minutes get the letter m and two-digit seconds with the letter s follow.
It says 4h48m12s
